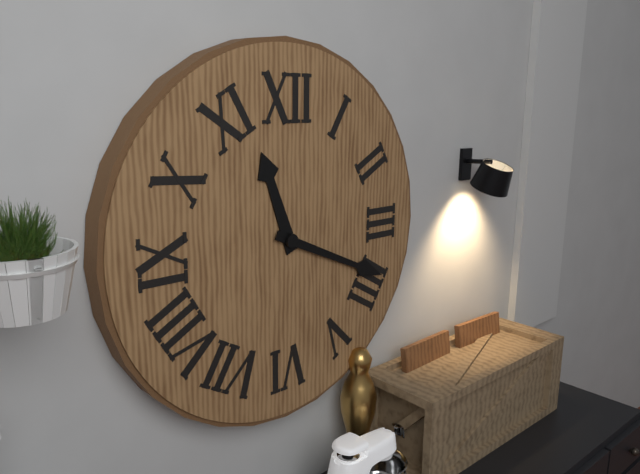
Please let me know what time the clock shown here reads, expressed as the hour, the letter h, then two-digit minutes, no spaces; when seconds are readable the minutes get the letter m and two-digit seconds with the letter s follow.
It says 11h19
